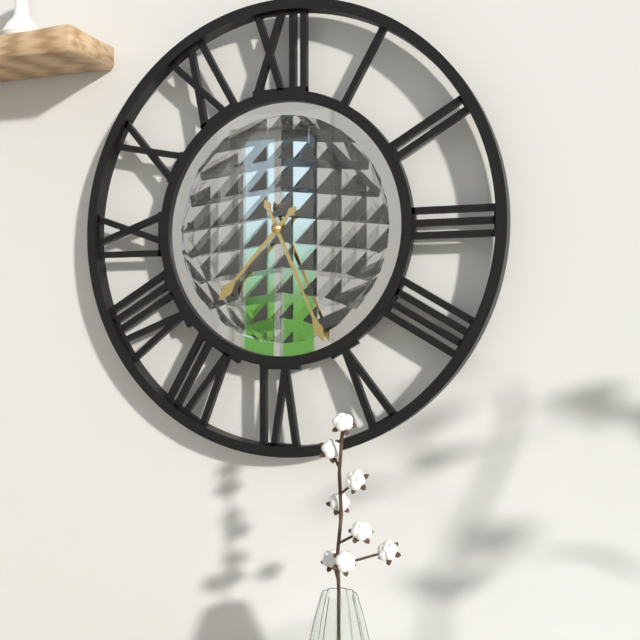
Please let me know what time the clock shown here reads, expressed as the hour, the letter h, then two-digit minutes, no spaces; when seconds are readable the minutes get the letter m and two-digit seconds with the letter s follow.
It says 7h26
